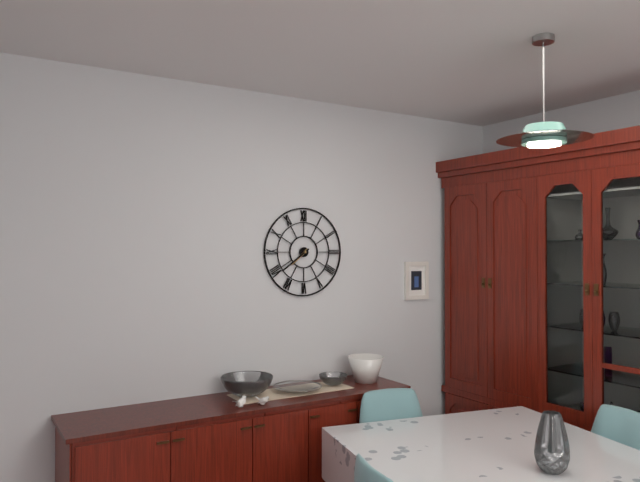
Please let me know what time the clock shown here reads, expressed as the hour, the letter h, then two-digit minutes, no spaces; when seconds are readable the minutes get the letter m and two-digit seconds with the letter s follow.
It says 7h39
